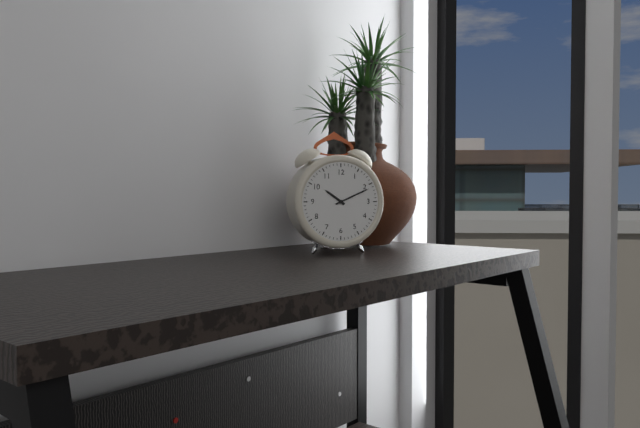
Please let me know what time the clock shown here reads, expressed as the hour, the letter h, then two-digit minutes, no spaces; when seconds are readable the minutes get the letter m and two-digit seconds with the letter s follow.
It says 10h11
